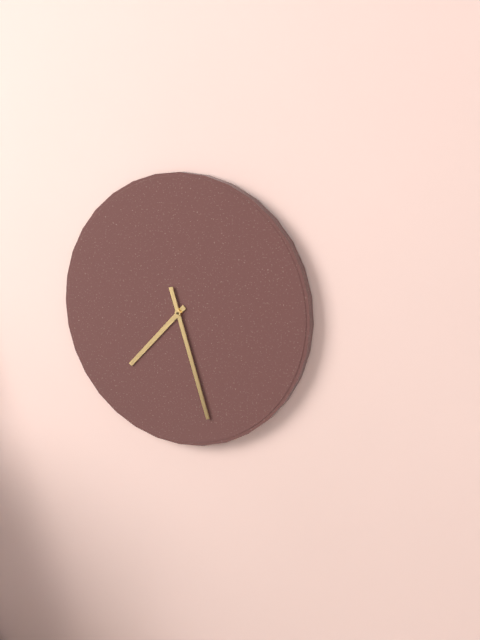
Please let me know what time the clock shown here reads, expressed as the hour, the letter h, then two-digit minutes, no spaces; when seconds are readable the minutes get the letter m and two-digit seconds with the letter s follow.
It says 7h27
